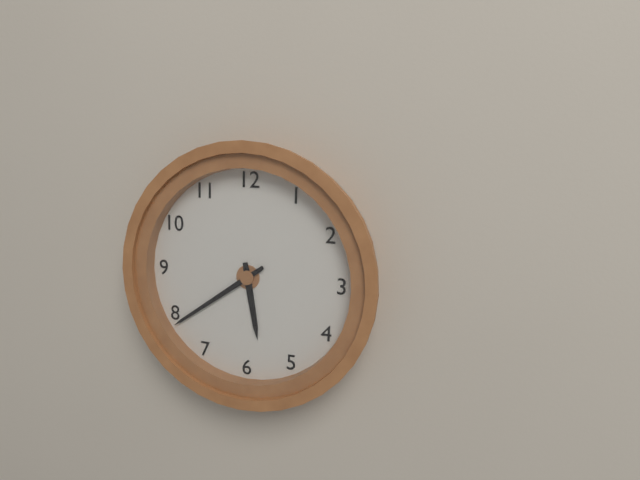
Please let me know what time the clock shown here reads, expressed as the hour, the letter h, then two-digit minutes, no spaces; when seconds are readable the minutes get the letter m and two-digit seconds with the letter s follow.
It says 5h39
